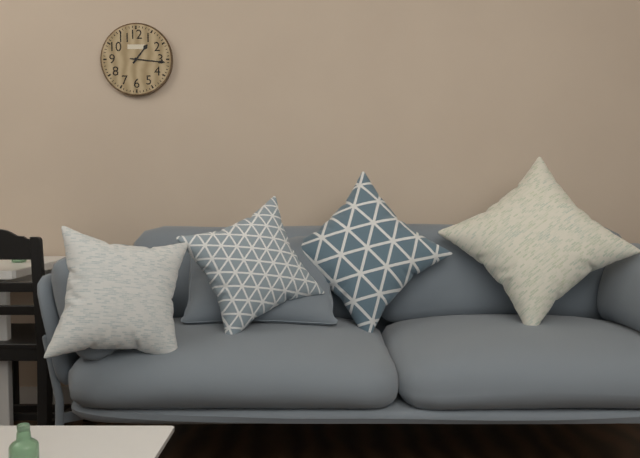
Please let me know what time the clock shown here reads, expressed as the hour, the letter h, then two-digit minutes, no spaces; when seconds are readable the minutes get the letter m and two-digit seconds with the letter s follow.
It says 1h16
